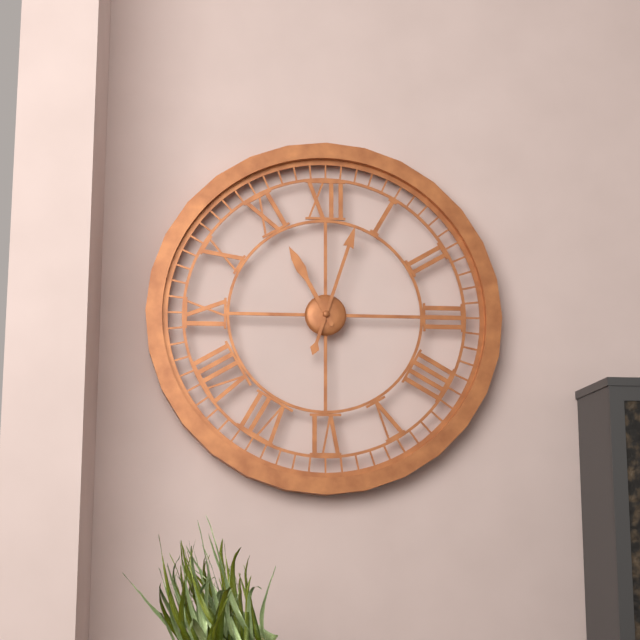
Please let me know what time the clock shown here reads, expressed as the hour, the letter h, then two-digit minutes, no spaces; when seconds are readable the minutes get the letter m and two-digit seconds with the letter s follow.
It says 11h03
